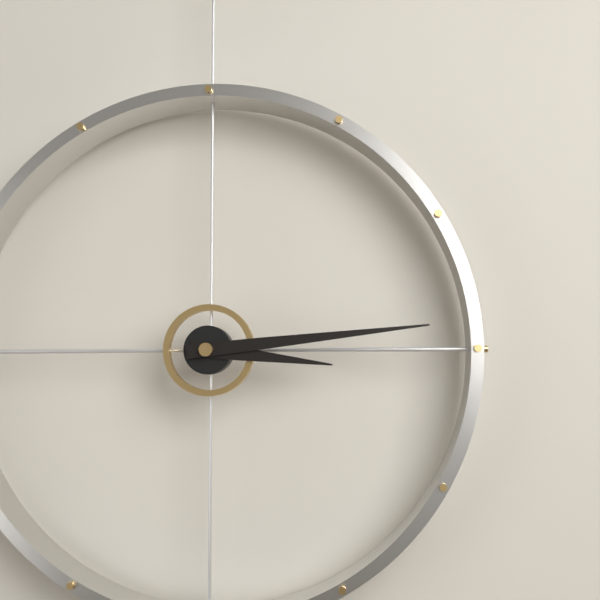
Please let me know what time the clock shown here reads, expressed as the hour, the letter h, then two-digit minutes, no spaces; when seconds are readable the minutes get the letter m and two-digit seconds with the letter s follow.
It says 3h14
